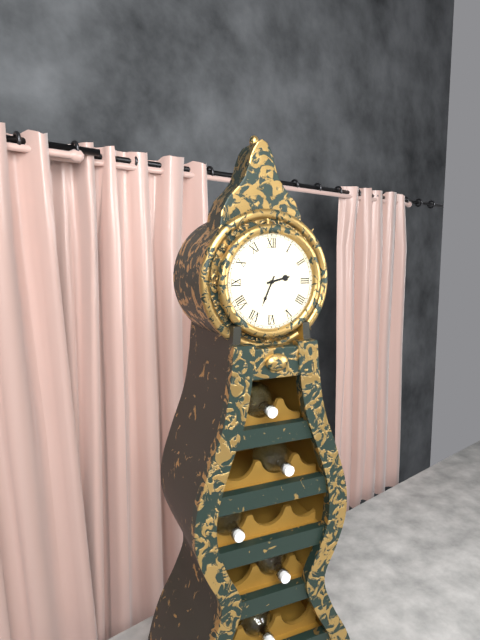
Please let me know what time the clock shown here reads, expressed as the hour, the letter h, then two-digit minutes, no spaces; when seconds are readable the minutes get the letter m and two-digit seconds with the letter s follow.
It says 2h34
